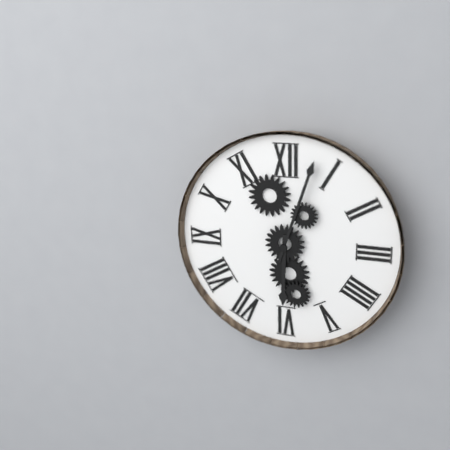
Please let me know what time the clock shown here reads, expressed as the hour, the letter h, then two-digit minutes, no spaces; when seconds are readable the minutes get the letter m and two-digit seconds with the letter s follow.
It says 6h03
